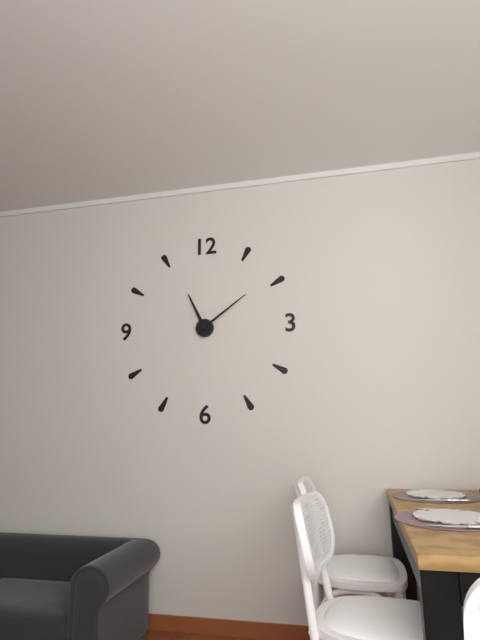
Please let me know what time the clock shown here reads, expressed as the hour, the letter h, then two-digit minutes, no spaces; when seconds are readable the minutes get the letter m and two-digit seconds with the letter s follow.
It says 11h09
